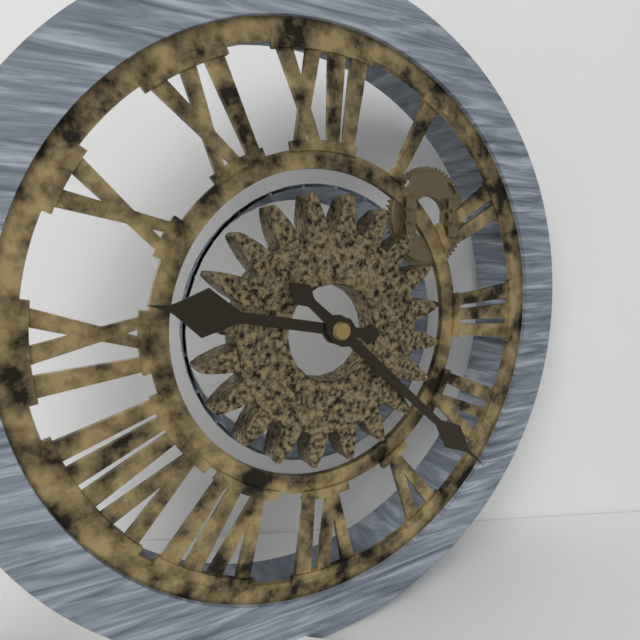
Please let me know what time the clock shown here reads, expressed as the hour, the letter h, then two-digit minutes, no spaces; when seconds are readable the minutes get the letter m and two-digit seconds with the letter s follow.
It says 9h22
